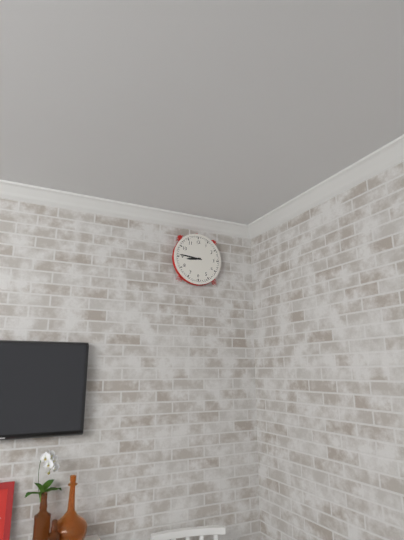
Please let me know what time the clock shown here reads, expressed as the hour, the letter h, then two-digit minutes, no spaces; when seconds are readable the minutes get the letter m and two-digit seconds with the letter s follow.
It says 8h46
